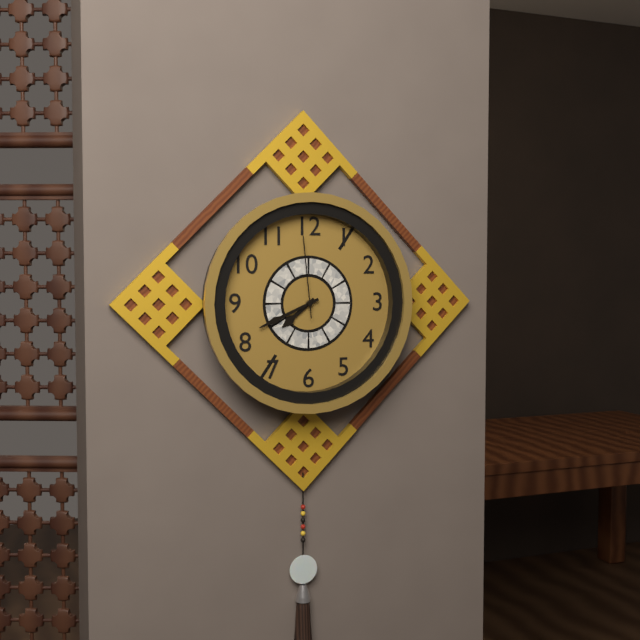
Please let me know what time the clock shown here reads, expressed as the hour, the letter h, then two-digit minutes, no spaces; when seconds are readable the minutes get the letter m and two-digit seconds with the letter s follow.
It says 7h41m59s
